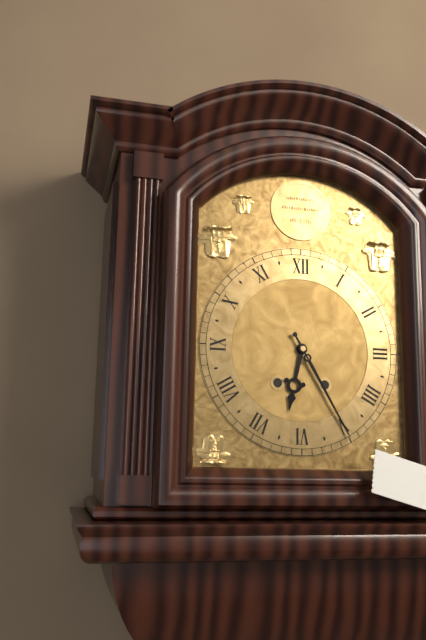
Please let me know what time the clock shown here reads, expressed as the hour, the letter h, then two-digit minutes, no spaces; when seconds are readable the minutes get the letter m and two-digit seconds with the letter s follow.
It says 6h25
